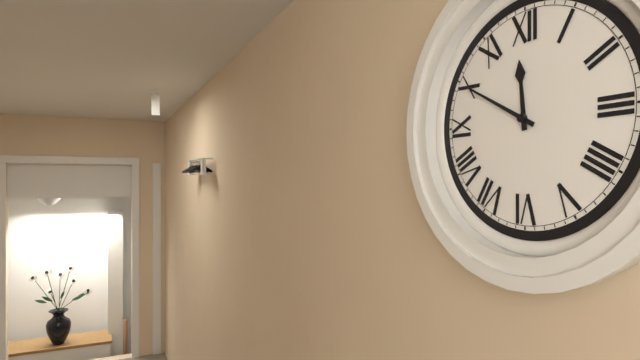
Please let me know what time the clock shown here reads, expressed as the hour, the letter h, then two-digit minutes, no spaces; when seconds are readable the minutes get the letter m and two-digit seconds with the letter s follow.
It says 11h50
